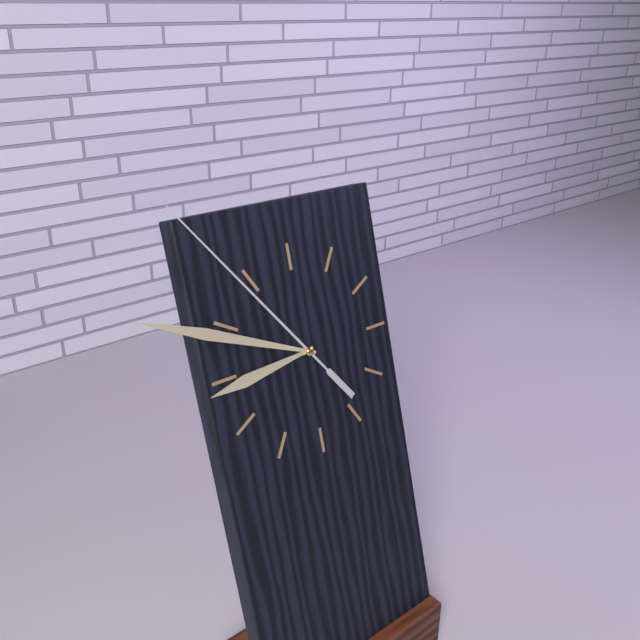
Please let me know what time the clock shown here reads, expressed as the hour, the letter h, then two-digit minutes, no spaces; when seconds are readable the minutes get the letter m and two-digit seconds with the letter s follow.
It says 8h49m54s
